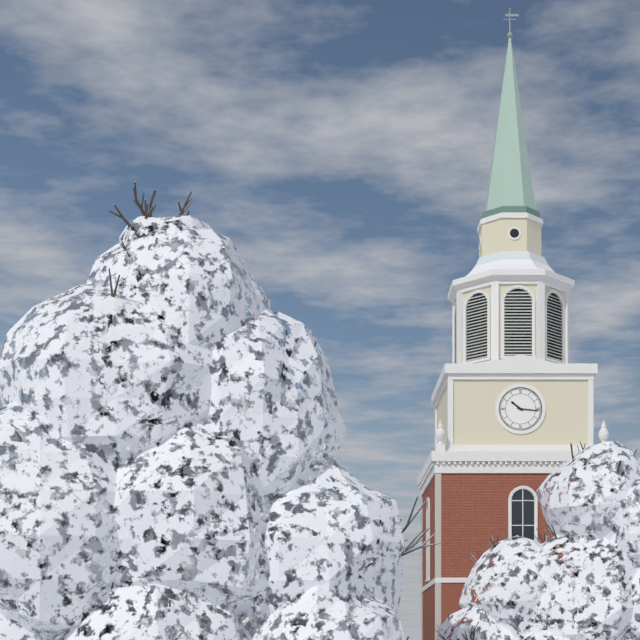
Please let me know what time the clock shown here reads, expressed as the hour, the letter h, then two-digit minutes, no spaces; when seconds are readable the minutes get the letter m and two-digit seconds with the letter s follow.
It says 10h16
